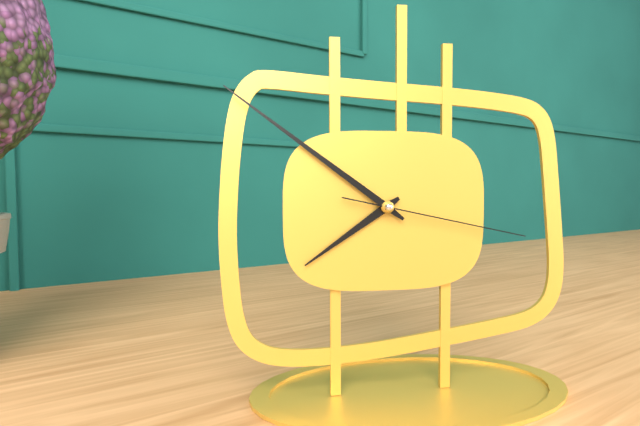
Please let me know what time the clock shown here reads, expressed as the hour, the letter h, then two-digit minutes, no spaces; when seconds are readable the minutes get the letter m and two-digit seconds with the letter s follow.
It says 7h51m17s
